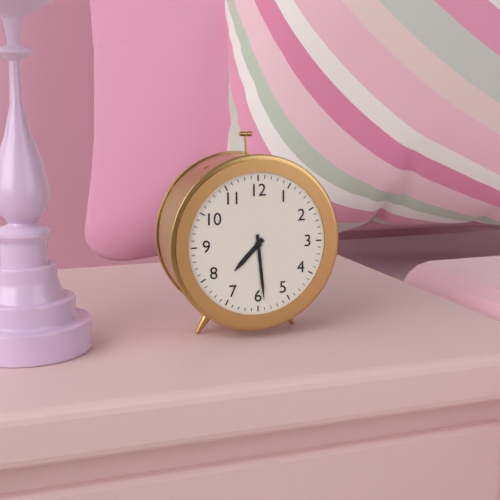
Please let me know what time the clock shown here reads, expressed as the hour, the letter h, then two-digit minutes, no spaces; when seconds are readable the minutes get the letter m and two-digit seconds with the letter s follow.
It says 7h29
